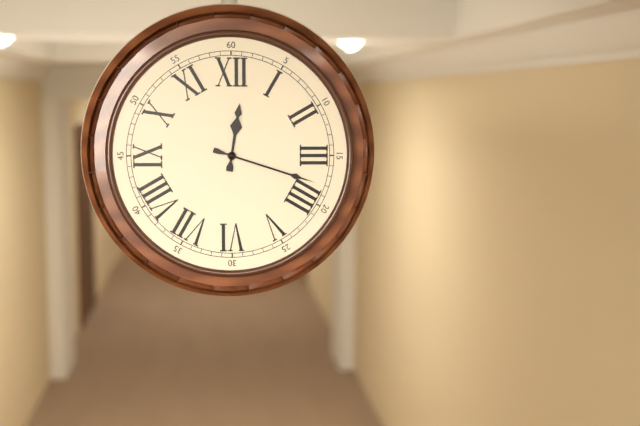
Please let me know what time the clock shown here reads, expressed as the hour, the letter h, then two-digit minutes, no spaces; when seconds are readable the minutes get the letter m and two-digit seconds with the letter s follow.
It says 12h18
